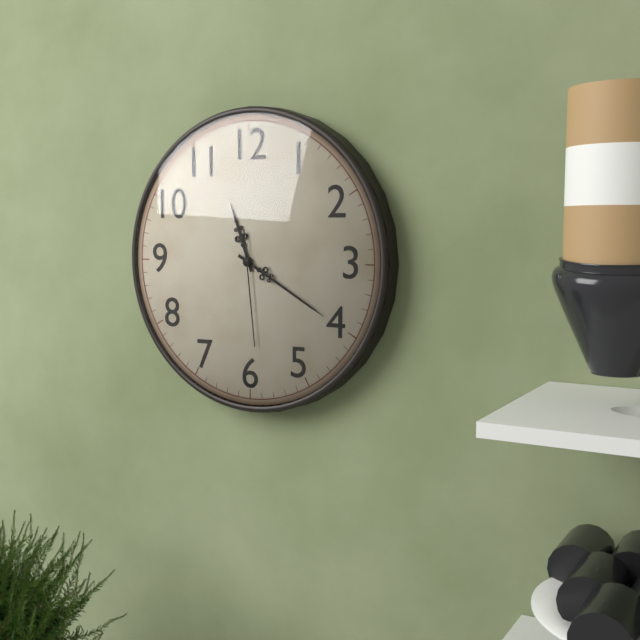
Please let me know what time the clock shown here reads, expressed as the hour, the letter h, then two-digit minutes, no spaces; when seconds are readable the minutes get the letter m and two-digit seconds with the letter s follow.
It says 11h20m29s
